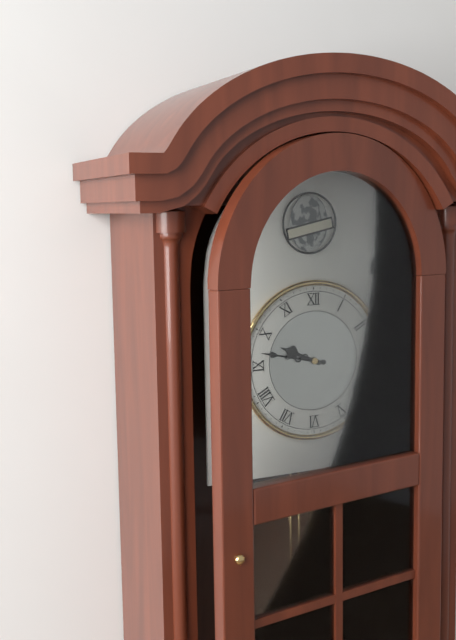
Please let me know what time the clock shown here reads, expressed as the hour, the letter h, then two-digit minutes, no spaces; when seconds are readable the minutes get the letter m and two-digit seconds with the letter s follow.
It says 9h47
